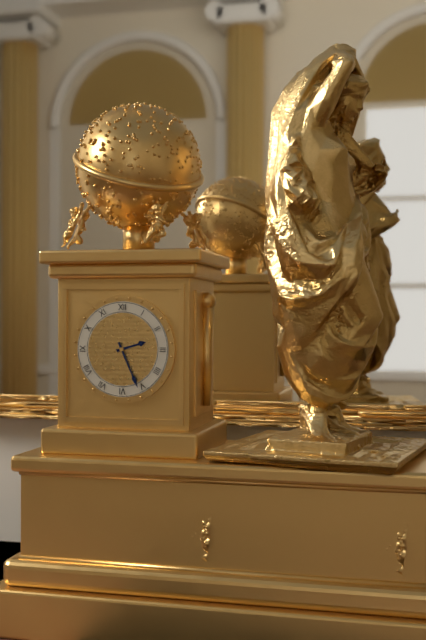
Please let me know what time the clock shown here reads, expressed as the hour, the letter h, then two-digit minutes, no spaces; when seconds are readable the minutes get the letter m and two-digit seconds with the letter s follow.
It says 2h26
